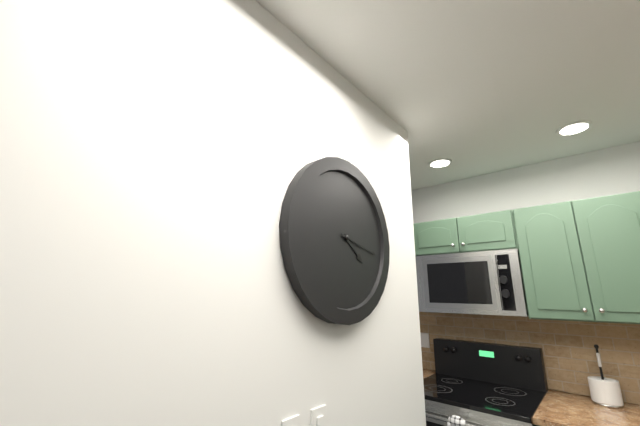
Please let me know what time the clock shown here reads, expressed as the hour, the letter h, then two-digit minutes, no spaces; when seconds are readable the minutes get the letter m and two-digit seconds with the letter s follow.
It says 4h17
